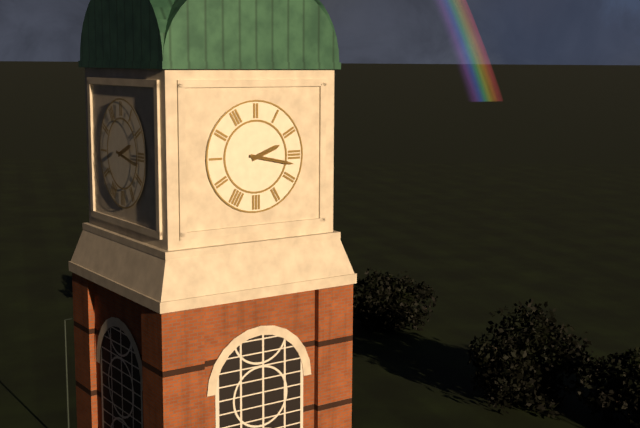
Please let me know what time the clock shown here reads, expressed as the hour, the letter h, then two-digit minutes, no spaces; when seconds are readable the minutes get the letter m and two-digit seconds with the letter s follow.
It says 2h17
